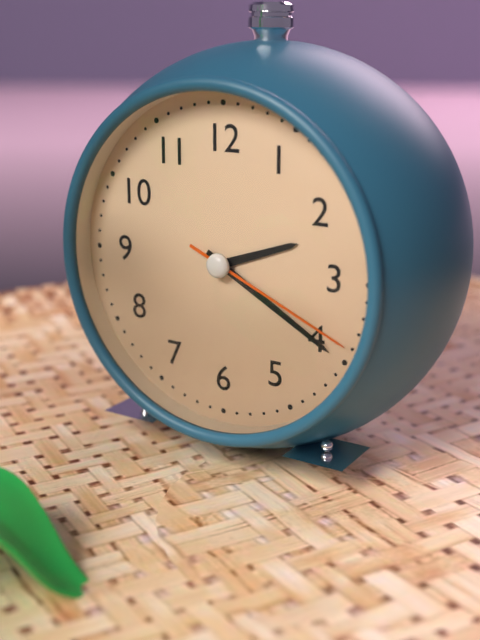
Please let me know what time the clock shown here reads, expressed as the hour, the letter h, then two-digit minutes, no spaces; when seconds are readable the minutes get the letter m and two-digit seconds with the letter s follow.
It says 2h20m19s
